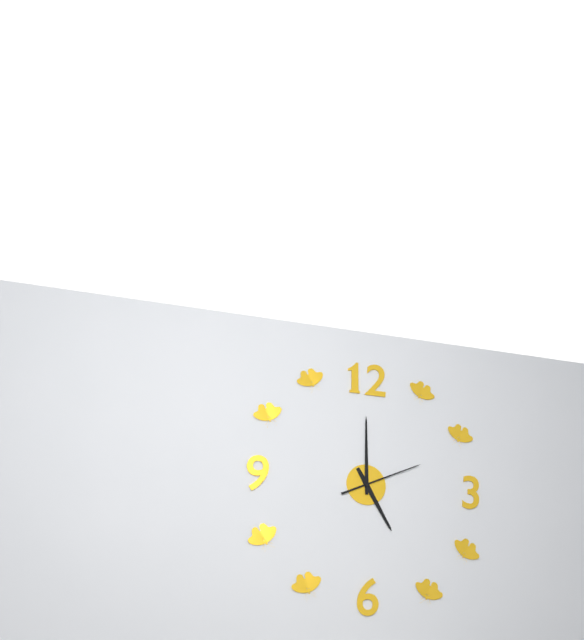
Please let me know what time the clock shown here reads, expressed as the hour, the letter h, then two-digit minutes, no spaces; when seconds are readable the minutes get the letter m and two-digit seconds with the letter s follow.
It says 5h00m11s
